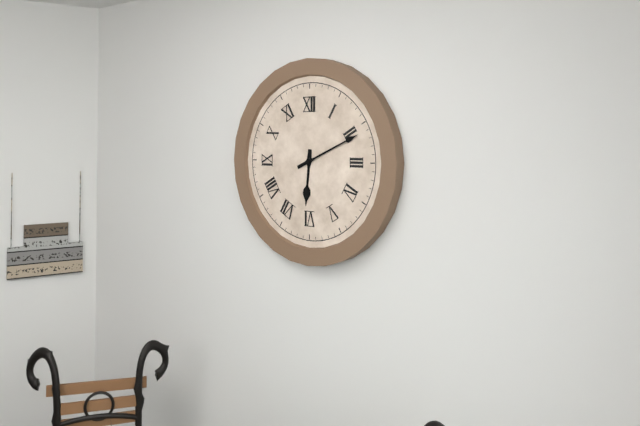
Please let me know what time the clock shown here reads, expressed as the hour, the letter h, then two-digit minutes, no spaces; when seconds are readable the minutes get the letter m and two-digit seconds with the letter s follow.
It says 6h11
